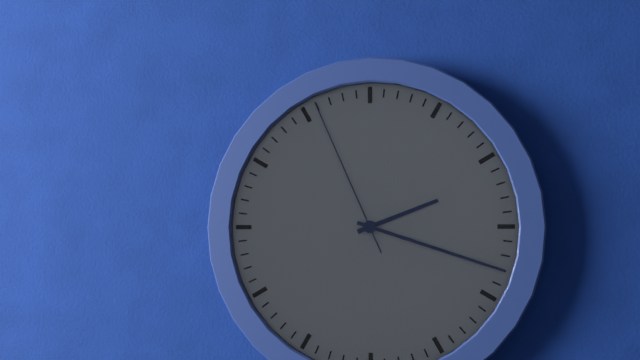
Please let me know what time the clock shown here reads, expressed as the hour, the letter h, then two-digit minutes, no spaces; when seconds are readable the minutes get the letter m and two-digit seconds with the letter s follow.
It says 2h18m56s
